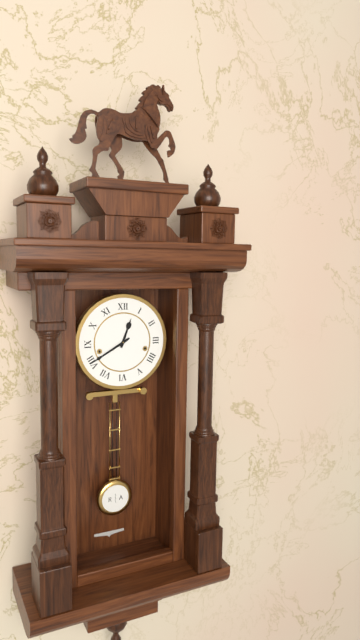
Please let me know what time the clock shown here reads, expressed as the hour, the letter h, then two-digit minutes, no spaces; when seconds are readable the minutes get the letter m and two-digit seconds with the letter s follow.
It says 12h40
